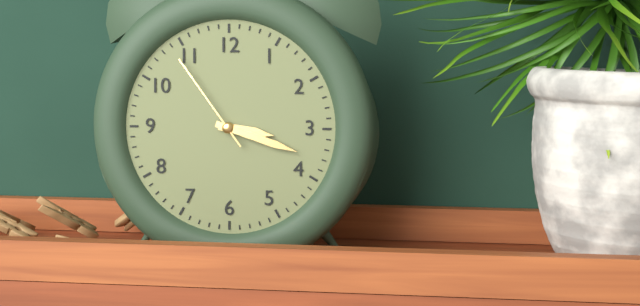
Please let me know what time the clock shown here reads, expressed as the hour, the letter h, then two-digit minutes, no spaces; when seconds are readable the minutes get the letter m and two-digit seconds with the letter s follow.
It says 3h18m54s
